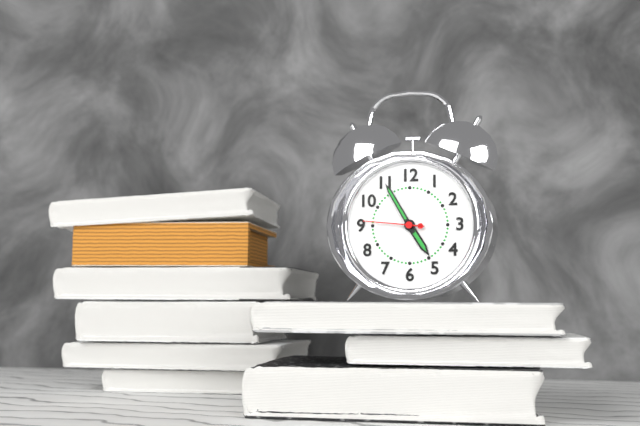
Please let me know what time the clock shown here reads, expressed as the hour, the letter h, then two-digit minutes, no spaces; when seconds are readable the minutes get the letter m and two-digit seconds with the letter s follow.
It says 4h55m46s
